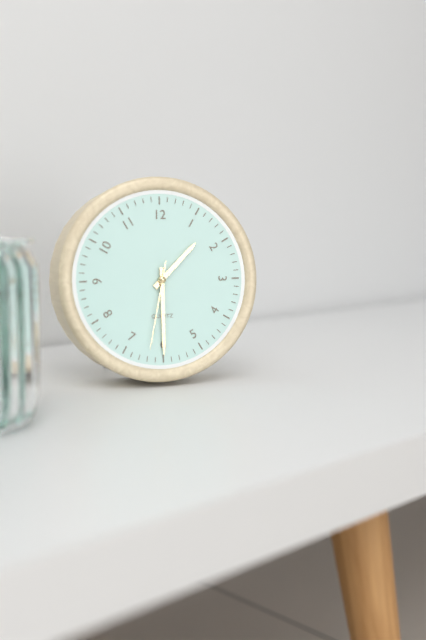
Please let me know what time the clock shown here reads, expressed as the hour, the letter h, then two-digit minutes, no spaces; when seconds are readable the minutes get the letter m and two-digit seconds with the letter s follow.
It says 1h30m32s
